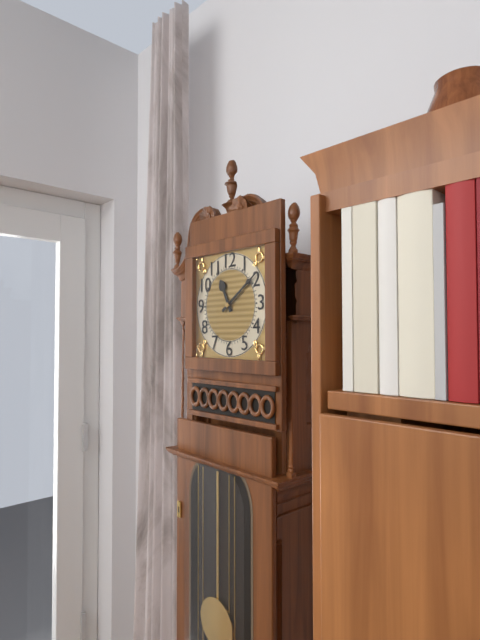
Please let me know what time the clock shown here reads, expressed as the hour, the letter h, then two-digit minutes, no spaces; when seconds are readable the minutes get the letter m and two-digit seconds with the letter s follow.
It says 11h09
